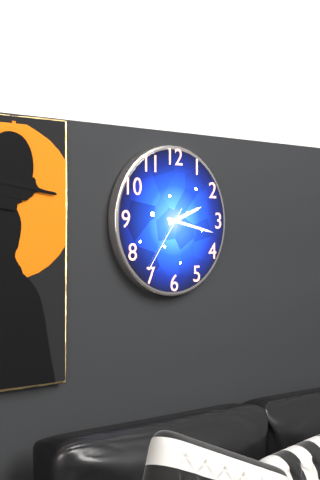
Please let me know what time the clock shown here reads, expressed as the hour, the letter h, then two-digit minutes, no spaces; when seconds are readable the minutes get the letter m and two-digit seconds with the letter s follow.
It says 2h17m36s
